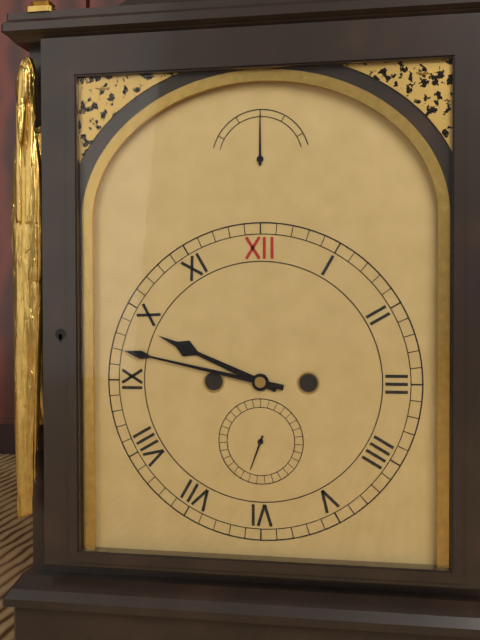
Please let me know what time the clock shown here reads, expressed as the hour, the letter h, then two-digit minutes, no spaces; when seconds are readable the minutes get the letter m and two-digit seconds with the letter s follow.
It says 9h47
